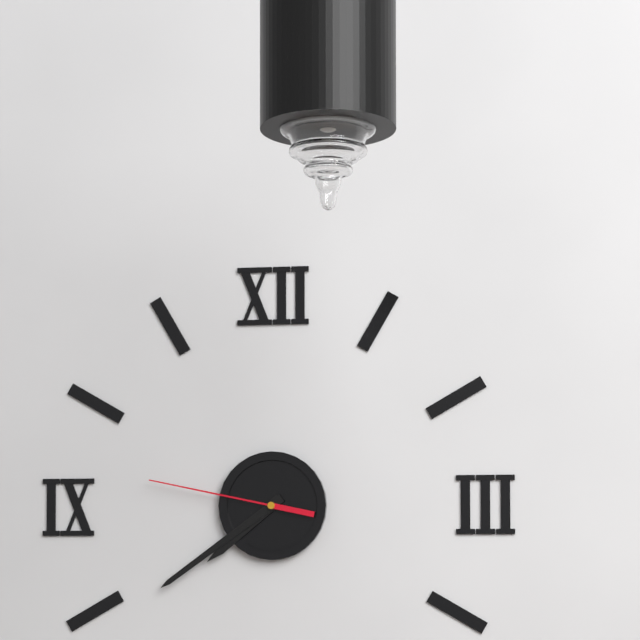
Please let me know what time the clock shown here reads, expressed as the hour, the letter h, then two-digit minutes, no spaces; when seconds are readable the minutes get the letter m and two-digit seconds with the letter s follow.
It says 7h39m47s
